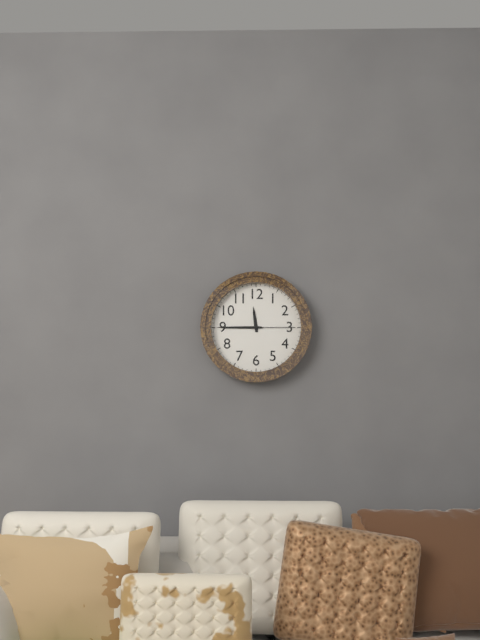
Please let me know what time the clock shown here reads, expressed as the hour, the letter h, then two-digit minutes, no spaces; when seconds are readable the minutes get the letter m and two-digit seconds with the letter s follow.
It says 11h45
